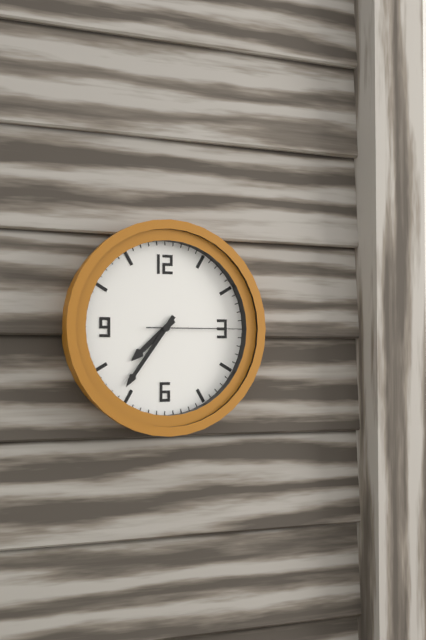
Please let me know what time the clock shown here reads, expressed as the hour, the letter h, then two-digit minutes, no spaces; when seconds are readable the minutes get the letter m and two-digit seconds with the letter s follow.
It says 7h36m15s
